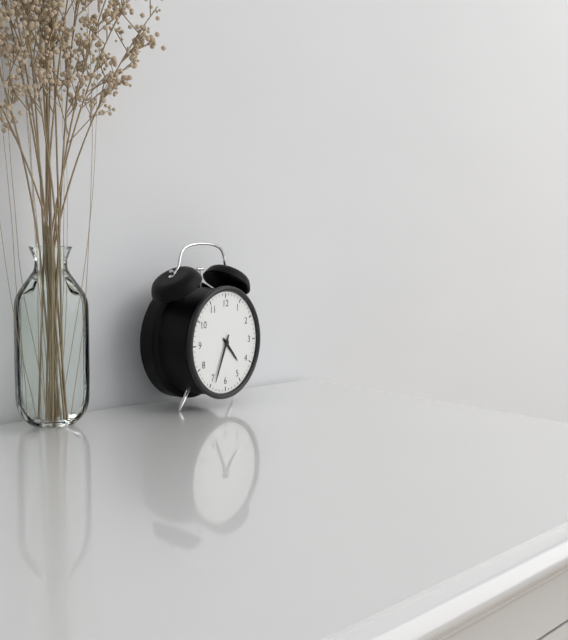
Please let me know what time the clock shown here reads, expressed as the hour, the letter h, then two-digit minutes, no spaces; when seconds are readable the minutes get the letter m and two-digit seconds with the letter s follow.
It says 4h34
